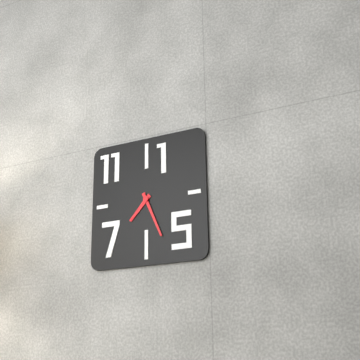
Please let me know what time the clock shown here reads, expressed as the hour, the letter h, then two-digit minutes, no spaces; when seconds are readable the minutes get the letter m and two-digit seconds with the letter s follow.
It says 7h26
